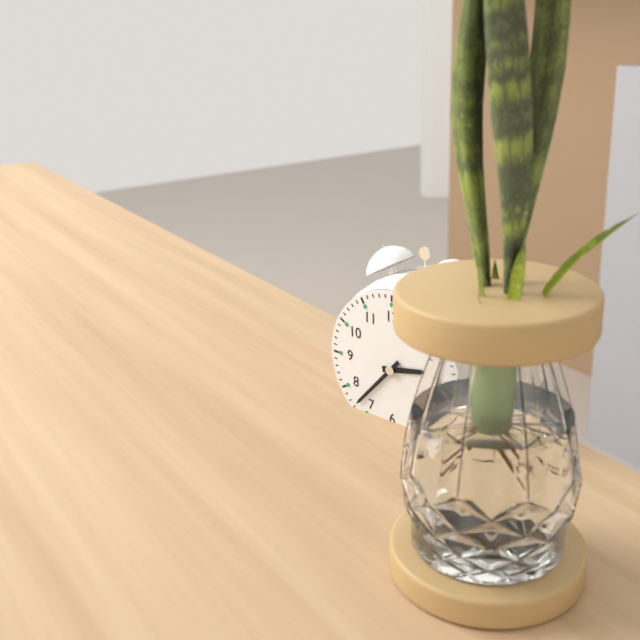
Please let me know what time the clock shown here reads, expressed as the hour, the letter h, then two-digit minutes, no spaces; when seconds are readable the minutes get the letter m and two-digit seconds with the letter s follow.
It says 2h37
